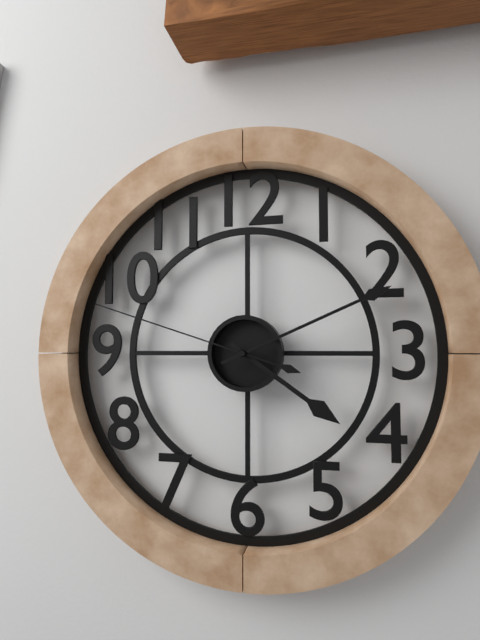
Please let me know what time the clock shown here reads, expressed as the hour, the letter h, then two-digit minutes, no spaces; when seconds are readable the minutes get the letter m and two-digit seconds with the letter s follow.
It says 4h11m48s
